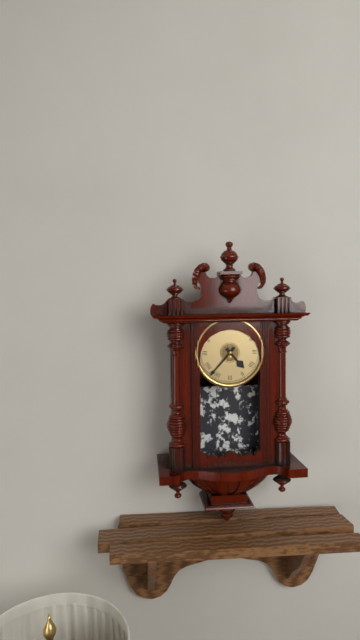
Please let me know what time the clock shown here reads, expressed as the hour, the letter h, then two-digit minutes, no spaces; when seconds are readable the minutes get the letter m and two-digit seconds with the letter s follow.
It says 4h37
